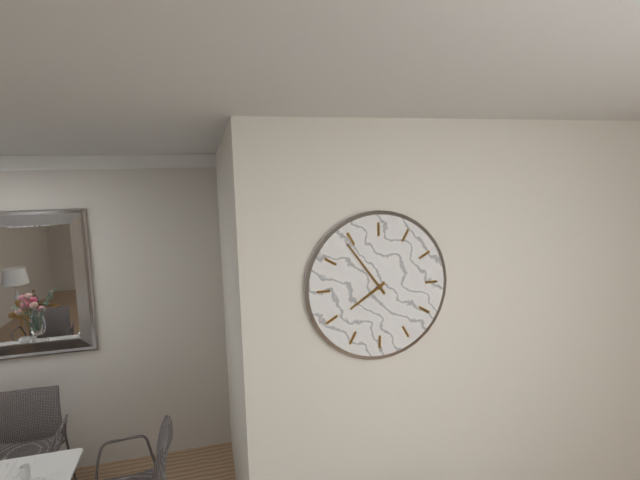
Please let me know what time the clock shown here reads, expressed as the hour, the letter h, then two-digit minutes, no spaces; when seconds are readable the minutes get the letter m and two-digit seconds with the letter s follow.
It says 7h54
